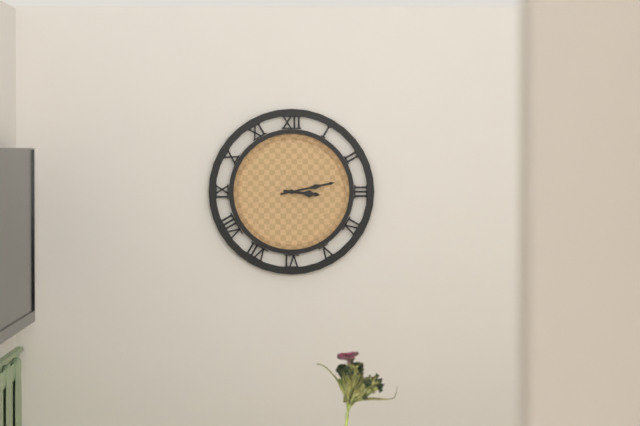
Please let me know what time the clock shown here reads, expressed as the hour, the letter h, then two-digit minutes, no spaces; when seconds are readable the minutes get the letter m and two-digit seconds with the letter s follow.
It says 3h13
